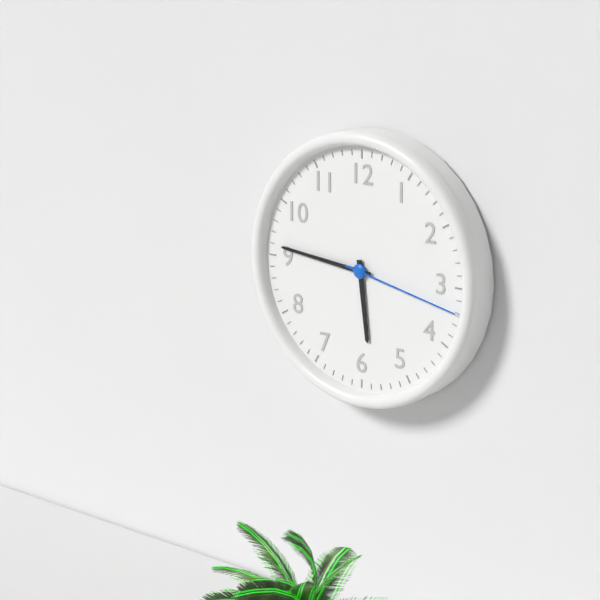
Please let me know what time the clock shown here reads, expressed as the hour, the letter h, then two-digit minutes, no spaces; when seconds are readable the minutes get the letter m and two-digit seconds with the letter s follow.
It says 5h46m17s
